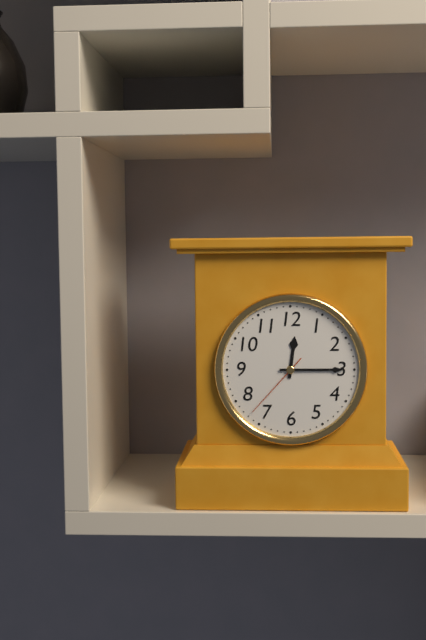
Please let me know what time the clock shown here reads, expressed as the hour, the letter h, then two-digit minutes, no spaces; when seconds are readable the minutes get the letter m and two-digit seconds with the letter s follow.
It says 12h15m37s
